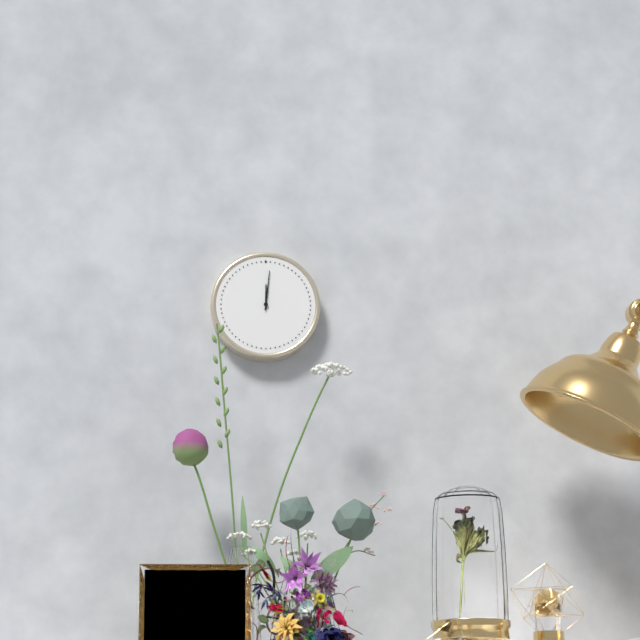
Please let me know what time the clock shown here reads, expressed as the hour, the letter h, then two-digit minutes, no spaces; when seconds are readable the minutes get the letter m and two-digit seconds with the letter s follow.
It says 12h01
